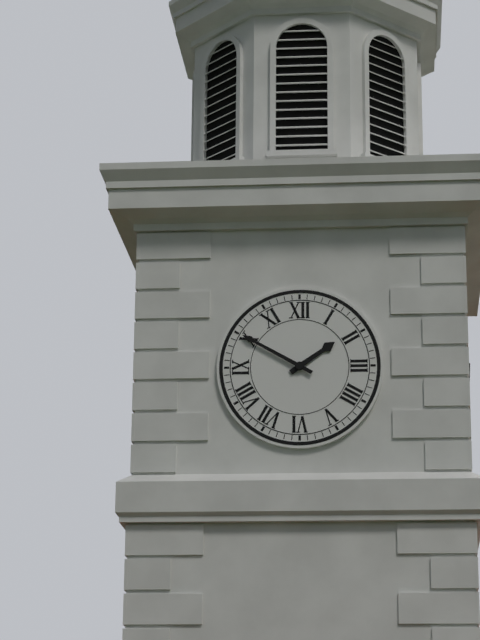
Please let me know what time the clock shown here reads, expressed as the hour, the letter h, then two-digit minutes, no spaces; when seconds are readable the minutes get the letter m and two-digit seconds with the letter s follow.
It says 1h50
